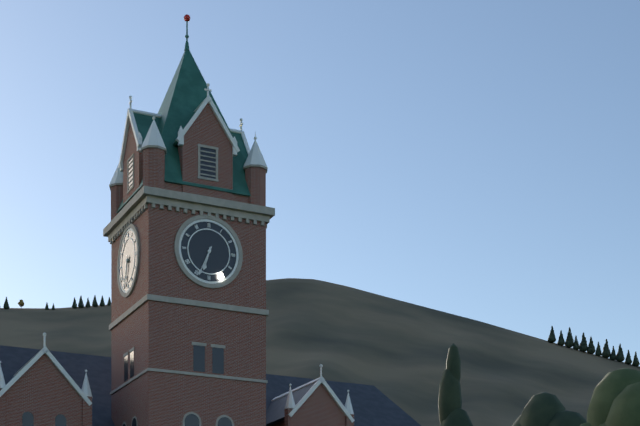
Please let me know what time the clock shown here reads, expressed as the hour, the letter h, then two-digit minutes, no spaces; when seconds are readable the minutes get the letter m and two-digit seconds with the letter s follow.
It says 6h34
